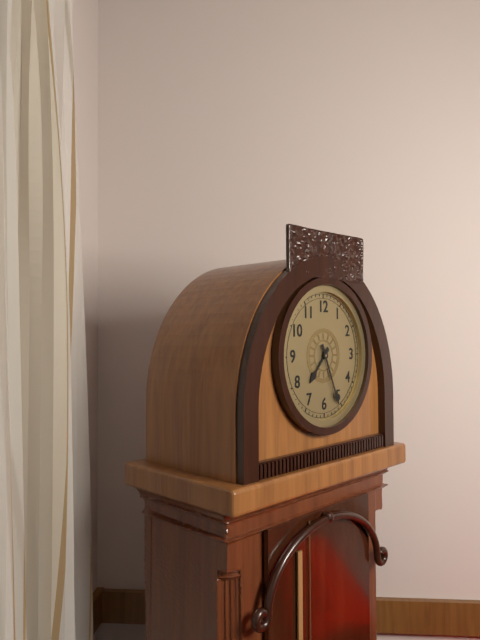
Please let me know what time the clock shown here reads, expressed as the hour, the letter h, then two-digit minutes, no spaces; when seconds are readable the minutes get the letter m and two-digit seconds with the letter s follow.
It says 7h26
